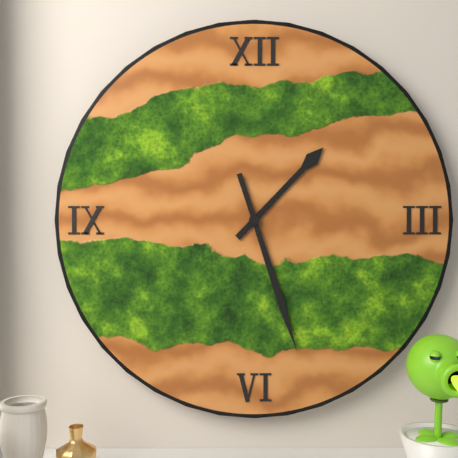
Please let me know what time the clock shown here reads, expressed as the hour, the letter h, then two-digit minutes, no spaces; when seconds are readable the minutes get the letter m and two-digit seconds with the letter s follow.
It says 1h27
